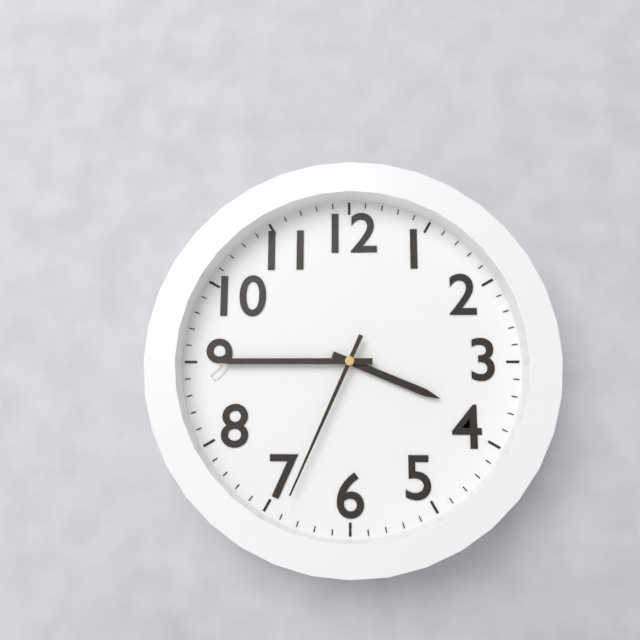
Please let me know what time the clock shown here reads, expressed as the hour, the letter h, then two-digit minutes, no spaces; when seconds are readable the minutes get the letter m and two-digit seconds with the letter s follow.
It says 3h45m34s
